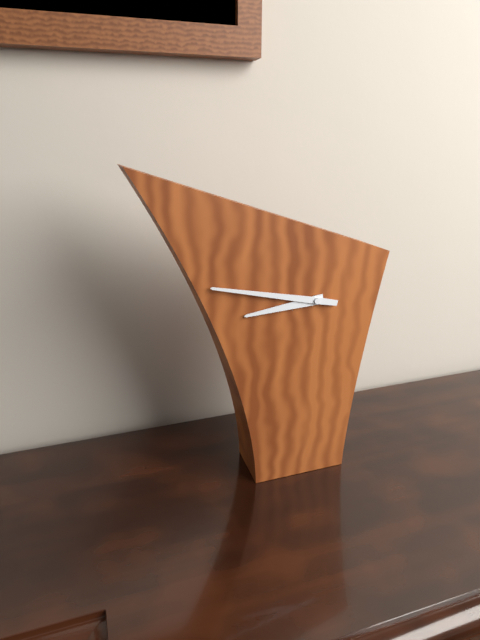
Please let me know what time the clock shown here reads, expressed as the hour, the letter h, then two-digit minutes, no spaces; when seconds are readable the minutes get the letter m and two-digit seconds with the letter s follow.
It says 8h47
